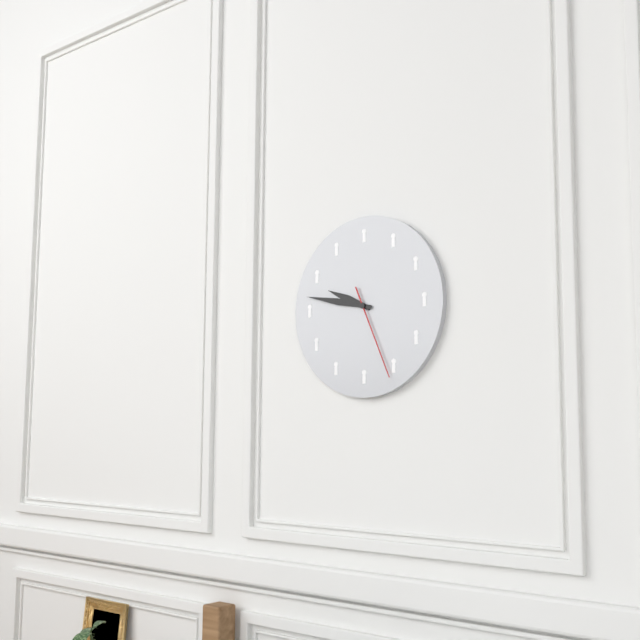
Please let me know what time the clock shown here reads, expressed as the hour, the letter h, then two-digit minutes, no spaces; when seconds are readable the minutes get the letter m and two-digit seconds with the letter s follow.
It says 9h47m26s
